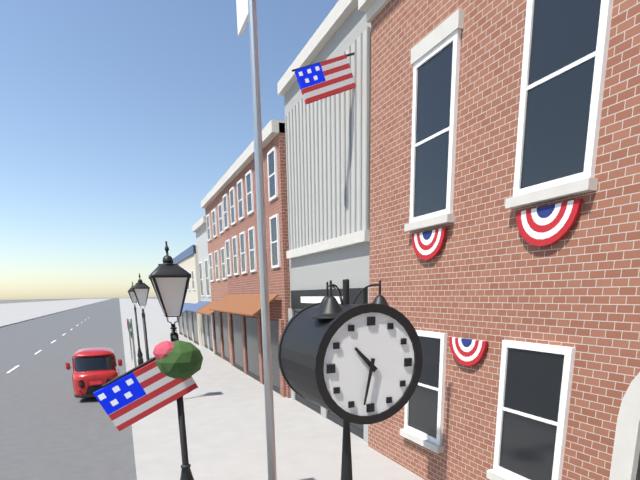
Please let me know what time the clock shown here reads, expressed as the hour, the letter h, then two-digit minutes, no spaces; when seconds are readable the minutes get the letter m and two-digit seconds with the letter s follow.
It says 10h32
